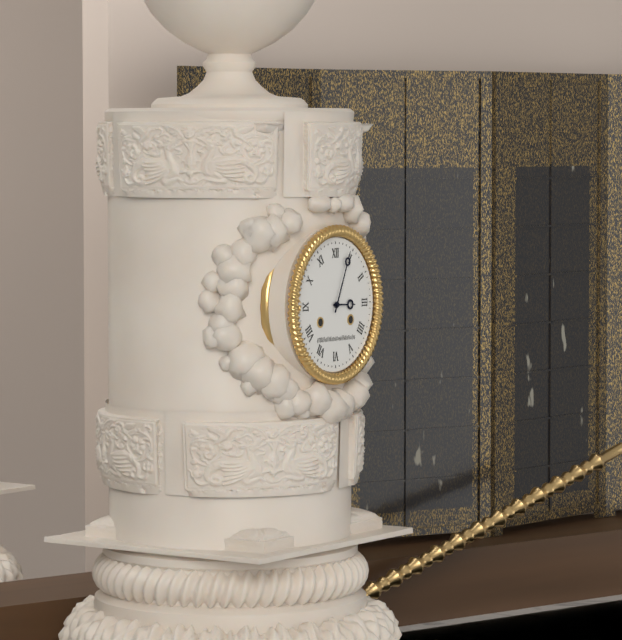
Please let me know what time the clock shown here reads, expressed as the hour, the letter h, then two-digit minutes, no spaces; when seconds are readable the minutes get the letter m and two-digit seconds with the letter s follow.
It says 3h04
